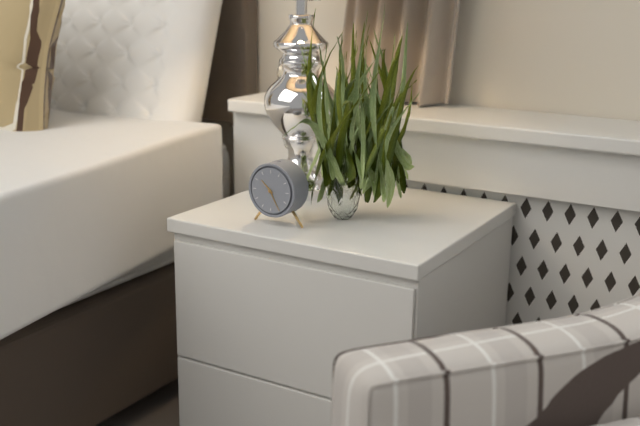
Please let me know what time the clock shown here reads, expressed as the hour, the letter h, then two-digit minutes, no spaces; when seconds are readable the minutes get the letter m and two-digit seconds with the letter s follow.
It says 10h25
